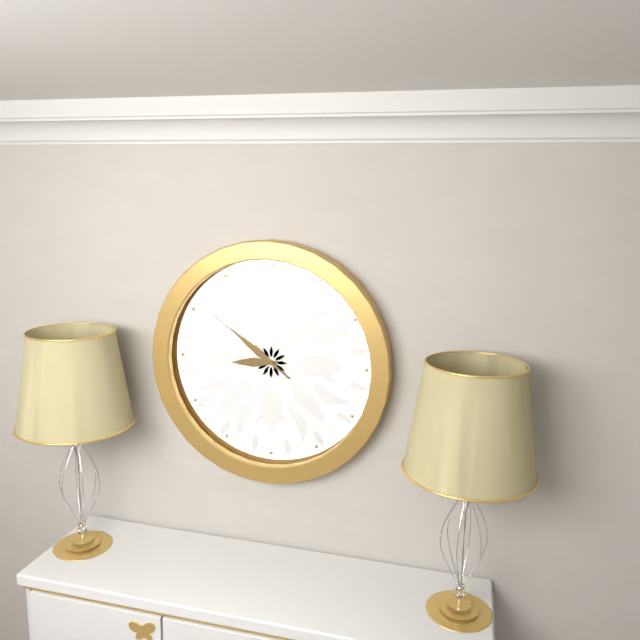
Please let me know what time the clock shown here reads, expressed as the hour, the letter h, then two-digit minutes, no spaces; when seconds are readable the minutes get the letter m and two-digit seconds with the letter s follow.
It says 8h51
